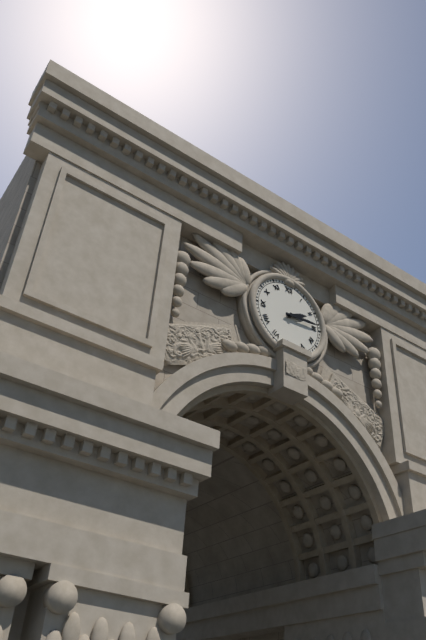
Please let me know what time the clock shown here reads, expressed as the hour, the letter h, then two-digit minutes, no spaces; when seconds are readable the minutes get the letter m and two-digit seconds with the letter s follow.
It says 2h14
